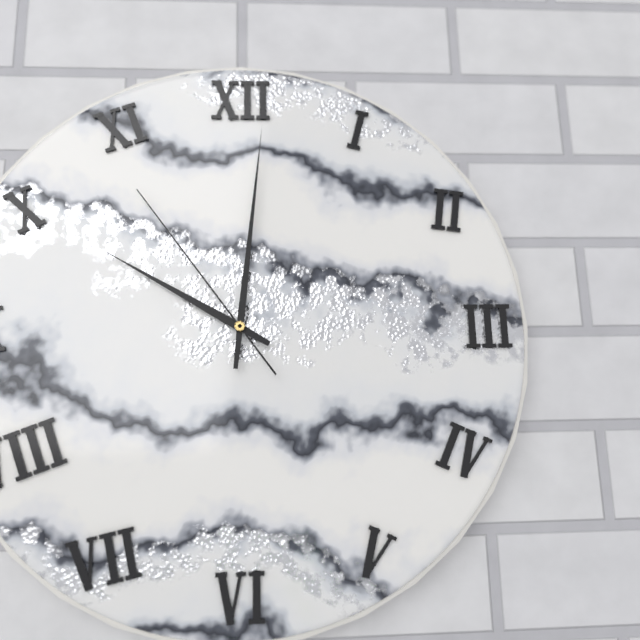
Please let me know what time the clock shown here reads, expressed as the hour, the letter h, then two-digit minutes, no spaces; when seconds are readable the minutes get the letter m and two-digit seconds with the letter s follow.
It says 10h01m54s
